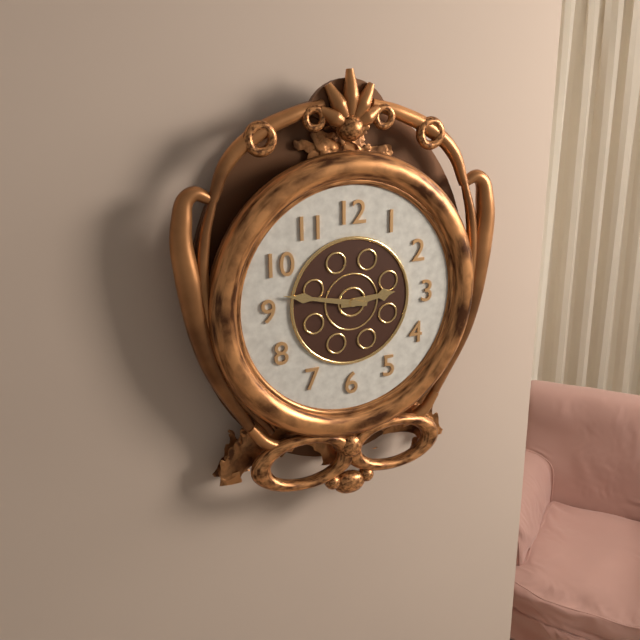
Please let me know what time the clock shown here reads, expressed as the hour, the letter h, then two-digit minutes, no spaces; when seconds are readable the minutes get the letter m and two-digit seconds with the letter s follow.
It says 2h47
